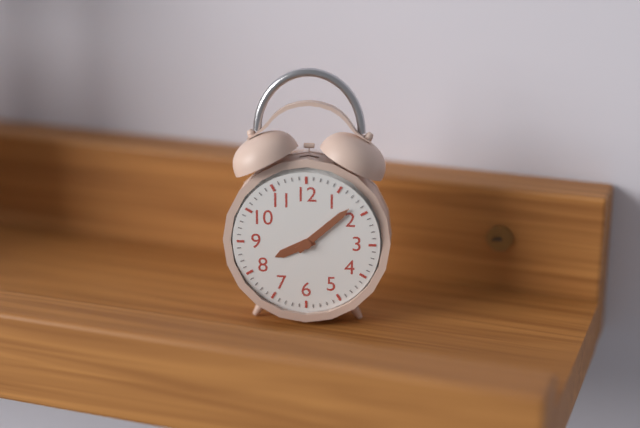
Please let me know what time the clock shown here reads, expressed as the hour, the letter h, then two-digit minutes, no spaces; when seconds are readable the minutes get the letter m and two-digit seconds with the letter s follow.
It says 8h08
